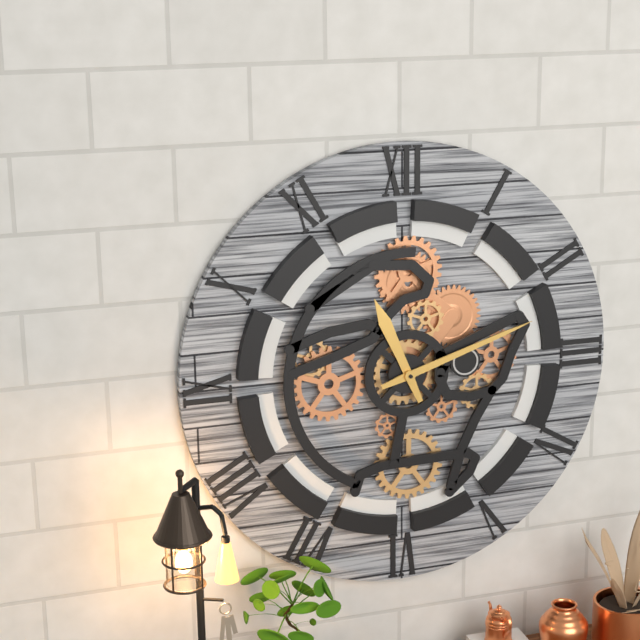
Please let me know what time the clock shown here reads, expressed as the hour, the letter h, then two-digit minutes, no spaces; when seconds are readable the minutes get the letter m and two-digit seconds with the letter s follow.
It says 11h12
